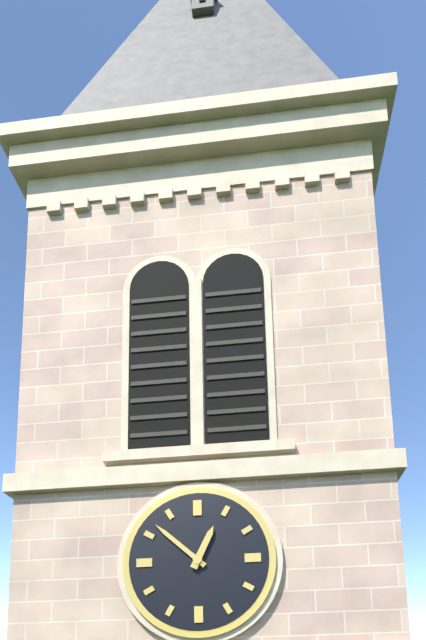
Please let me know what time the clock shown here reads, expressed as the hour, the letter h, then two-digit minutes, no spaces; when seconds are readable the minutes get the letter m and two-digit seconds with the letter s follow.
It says 12h52
